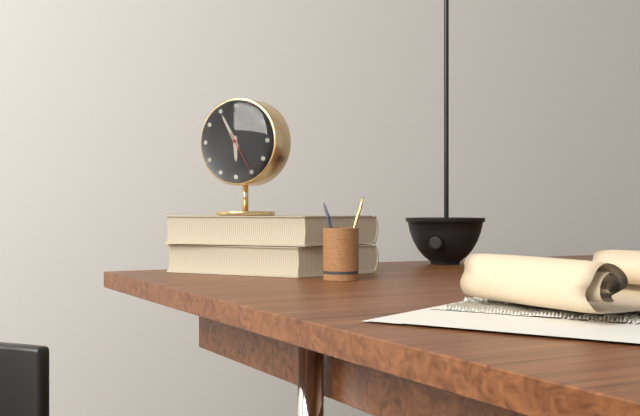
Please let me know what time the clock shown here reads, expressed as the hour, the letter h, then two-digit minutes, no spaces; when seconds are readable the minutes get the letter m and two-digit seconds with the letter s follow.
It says 5h55
